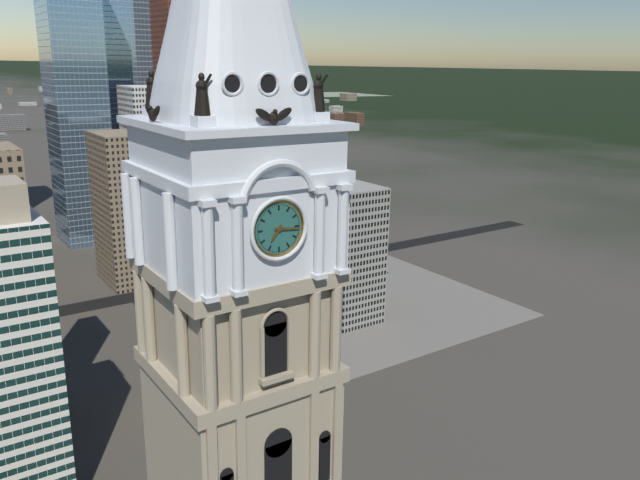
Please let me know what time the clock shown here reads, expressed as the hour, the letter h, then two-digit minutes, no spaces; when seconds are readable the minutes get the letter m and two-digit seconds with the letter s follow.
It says 7h16
